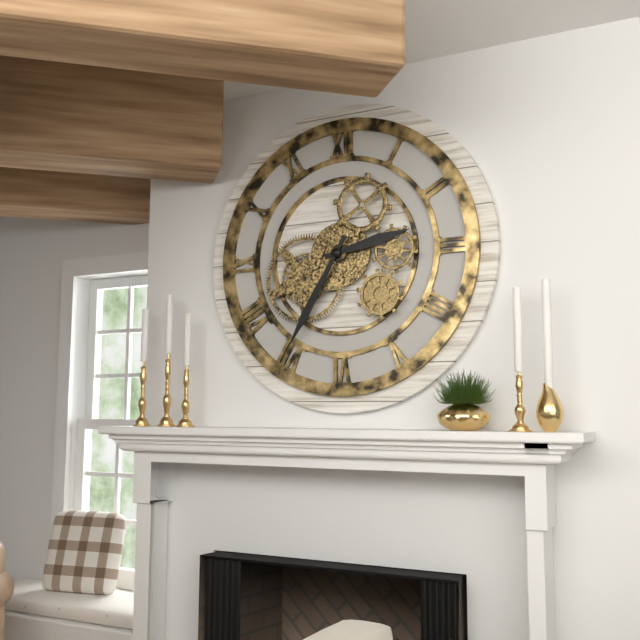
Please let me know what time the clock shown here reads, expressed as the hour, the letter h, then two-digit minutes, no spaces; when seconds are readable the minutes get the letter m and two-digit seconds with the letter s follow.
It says 2h35
